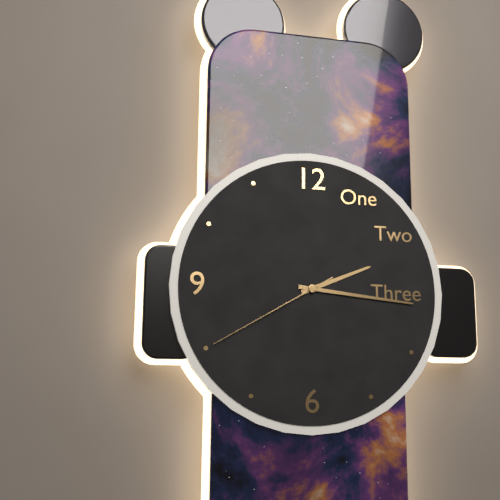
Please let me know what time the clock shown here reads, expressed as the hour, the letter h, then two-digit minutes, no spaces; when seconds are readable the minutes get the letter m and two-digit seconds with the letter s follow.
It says 2h16m40s
